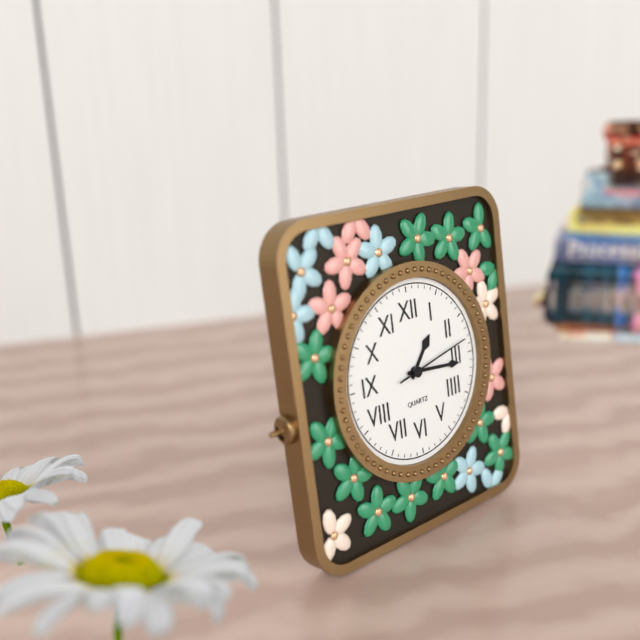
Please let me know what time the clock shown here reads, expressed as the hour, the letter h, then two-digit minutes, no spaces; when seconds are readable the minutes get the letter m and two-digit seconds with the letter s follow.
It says 1h16m13s
